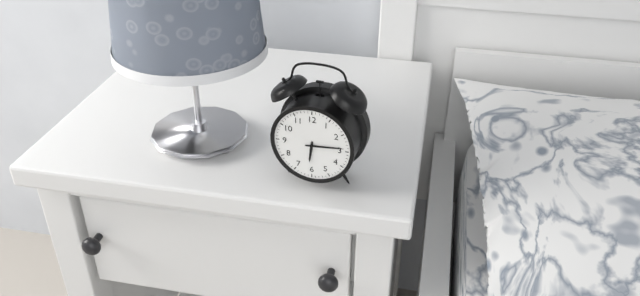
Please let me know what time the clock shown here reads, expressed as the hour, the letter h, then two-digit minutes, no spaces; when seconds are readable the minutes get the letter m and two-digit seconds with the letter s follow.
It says 6h14
